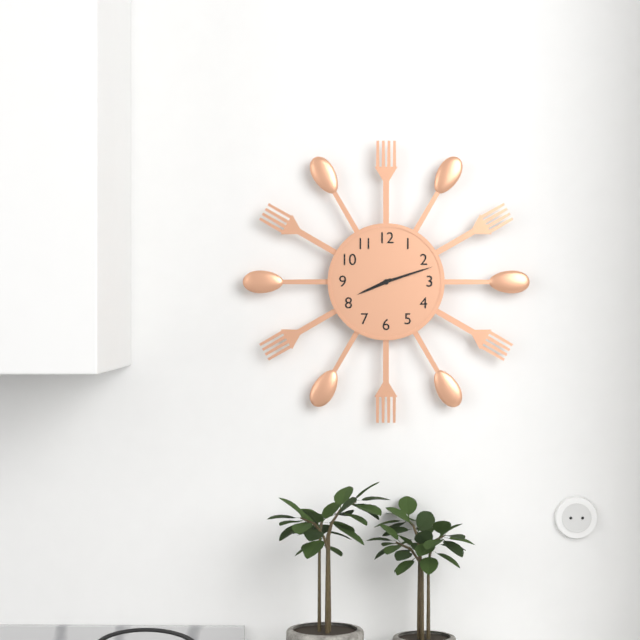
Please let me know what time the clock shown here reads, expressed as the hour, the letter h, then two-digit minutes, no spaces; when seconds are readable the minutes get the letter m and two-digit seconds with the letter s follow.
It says 8h12
